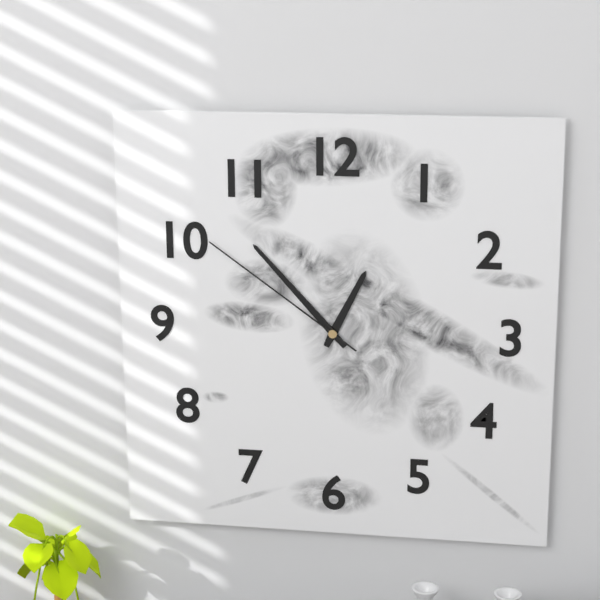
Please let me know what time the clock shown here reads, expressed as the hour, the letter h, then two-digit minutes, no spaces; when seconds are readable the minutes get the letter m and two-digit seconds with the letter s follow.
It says 12h53m51s
